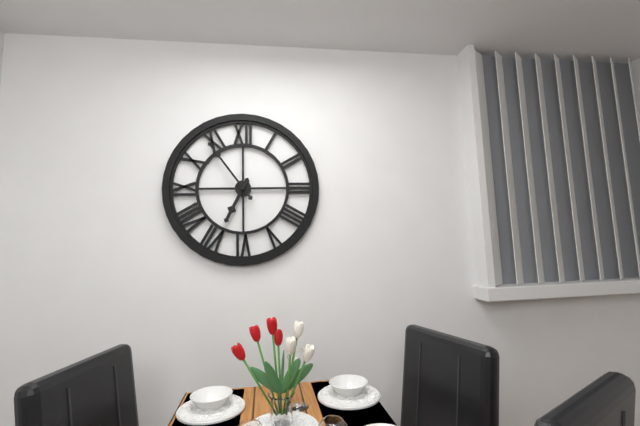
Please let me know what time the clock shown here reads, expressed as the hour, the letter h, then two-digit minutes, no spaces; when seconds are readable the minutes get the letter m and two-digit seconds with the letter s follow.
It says 6h54
